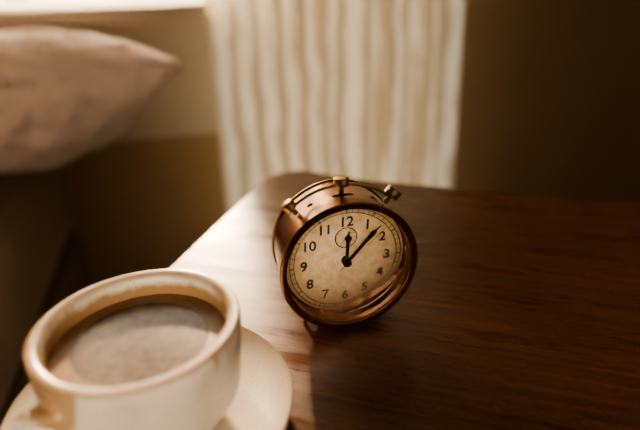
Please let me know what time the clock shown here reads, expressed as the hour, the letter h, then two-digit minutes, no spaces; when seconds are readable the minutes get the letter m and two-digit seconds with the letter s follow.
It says 12h07m08s
